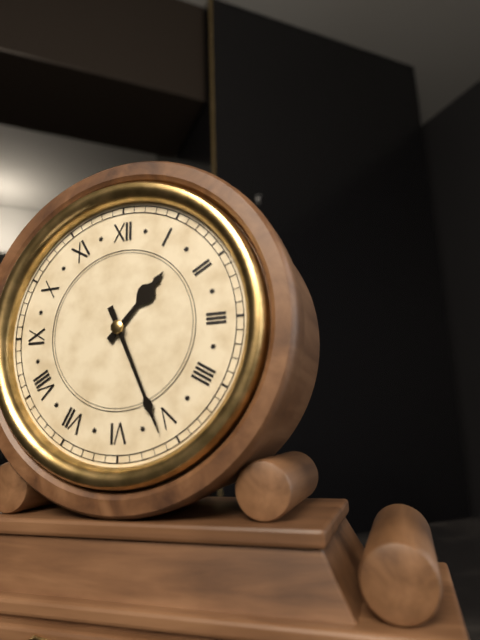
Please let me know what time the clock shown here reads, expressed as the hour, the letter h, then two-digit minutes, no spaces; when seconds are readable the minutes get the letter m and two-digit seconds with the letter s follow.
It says 1h26
